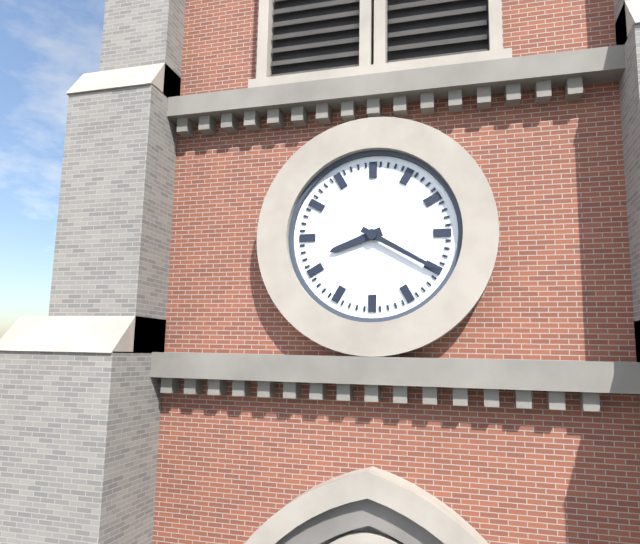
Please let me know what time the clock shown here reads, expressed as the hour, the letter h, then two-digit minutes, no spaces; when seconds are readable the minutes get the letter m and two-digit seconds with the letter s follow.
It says 8h20
